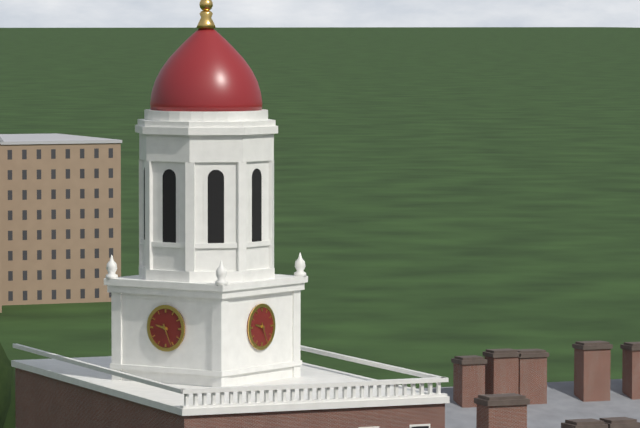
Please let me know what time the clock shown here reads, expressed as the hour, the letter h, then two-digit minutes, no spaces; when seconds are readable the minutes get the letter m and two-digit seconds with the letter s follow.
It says 9h26
